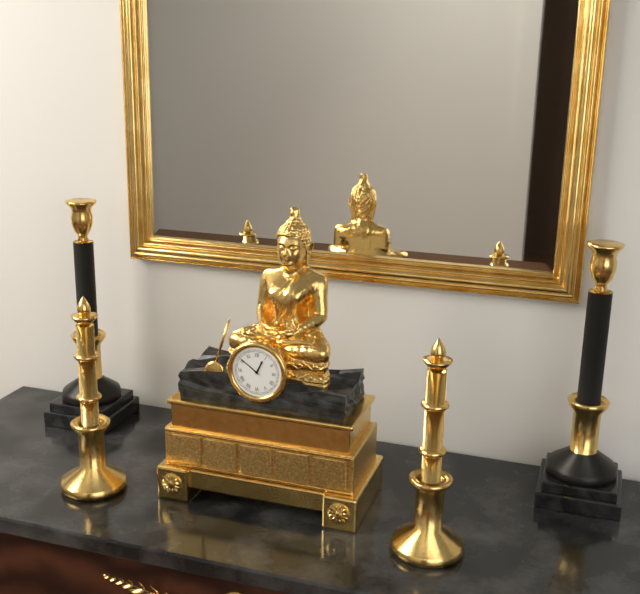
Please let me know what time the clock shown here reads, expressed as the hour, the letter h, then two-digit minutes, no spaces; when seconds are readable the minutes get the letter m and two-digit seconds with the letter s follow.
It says 12h51
